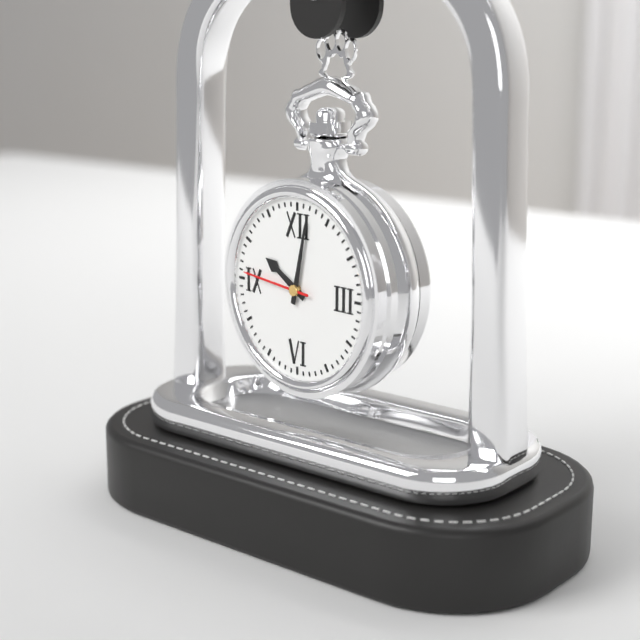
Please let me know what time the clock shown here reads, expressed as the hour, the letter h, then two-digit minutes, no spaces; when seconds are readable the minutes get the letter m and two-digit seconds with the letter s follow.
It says 10h02m46s
